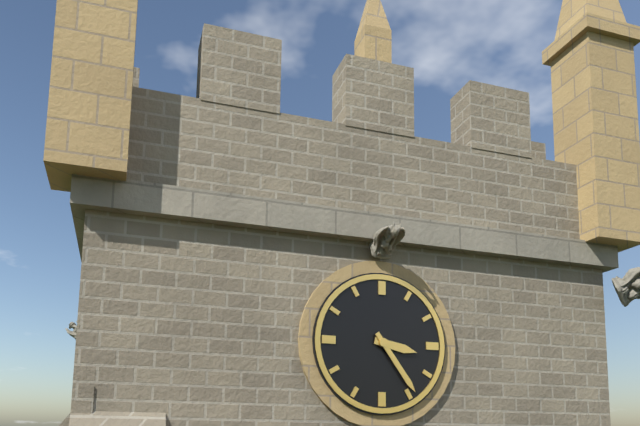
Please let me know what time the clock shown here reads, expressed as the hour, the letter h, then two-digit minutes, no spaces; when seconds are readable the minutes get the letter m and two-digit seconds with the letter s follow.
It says 3h24
